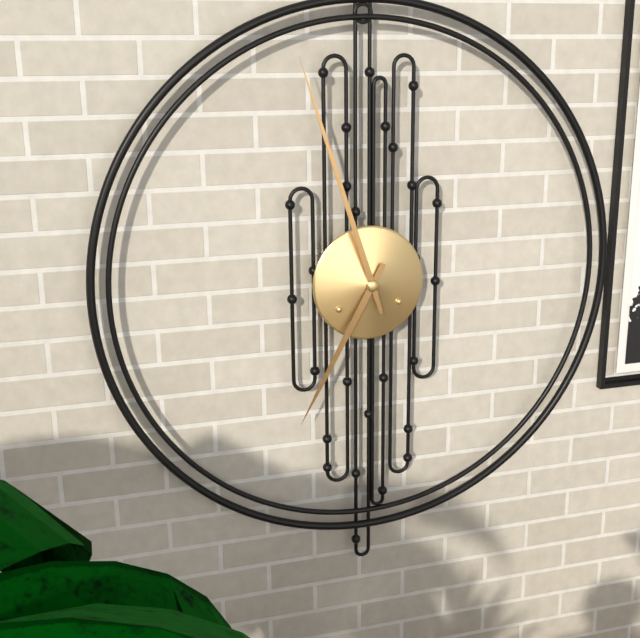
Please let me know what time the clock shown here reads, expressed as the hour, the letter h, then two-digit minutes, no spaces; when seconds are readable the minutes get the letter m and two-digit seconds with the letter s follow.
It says 6h57
